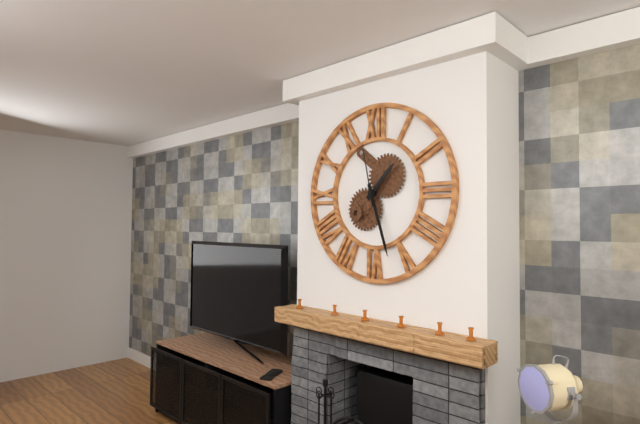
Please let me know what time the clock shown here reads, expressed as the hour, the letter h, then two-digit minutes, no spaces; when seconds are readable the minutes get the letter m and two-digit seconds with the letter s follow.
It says 1h27m58s
